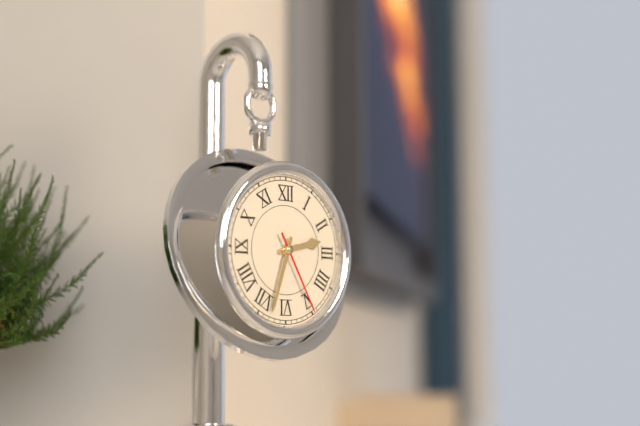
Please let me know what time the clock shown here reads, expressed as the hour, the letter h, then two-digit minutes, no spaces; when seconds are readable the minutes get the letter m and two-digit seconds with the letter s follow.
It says 2h33m25s
